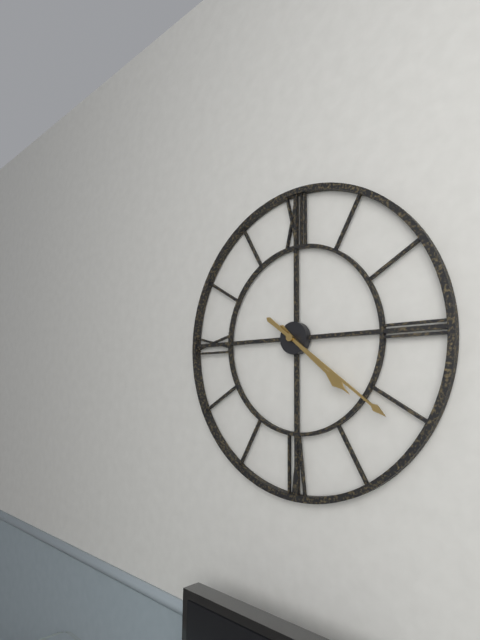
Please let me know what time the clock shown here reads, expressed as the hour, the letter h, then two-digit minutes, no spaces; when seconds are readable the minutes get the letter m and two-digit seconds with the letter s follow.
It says 4h21
